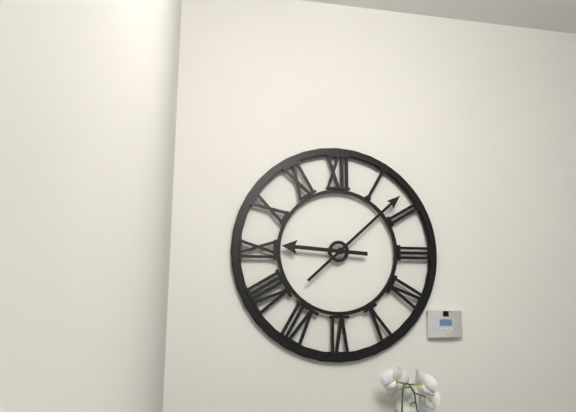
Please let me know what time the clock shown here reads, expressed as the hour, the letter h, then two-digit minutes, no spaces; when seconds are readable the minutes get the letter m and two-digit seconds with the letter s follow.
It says 9h08
